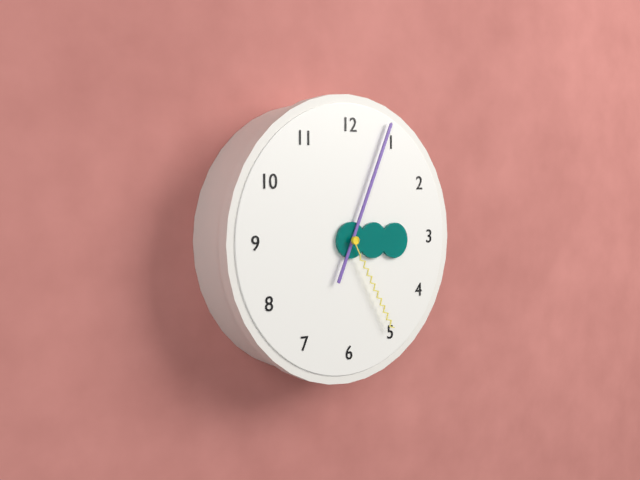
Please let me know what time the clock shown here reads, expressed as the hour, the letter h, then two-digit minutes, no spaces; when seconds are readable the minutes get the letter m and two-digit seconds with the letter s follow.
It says 3h04m25s
